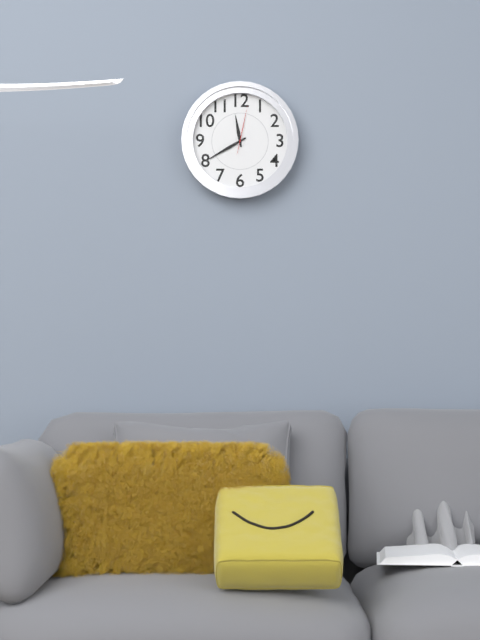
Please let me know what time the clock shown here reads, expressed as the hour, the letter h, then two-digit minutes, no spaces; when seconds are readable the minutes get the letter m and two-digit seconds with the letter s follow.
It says 11h40
